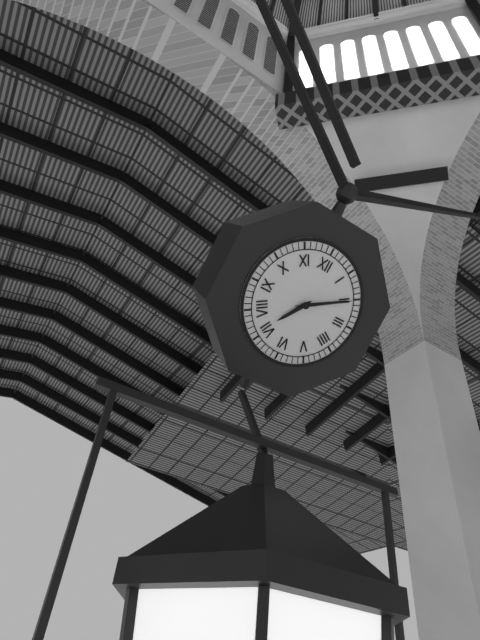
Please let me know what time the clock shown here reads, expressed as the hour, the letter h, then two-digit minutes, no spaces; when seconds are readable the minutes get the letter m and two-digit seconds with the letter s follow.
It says 7h10
